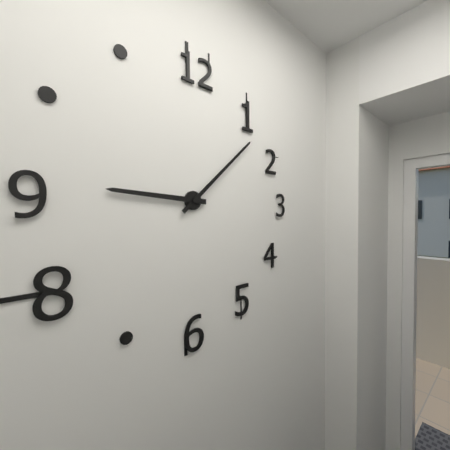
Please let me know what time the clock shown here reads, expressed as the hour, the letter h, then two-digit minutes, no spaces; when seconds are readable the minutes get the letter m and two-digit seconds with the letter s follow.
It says 9h08
